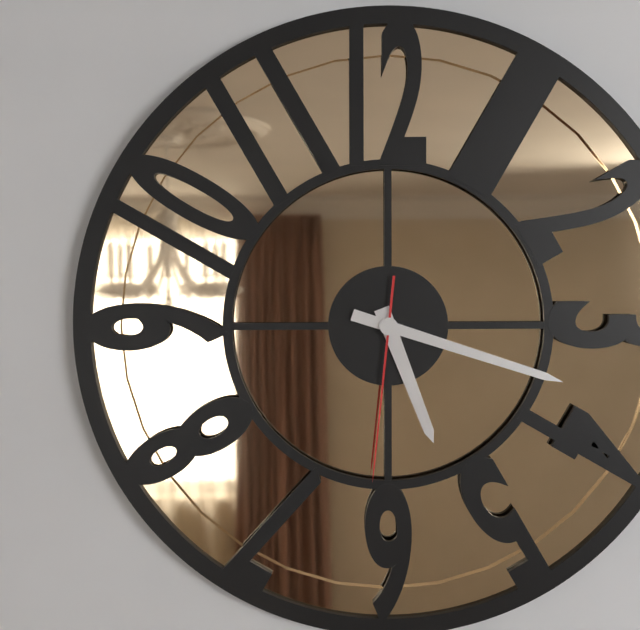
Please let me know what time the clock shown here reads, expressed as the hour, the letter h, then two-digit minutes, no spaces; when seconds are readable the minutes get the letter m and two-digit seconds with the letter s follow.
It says 5h18m31s
